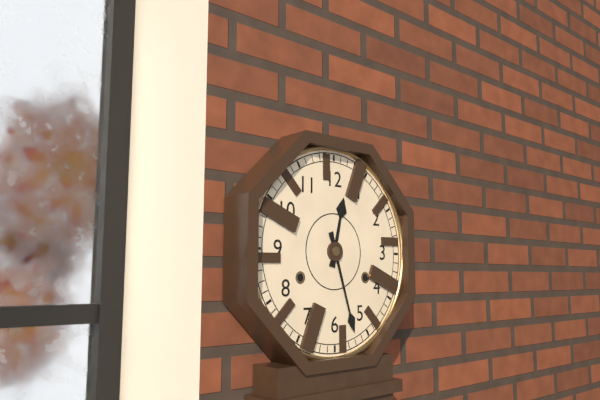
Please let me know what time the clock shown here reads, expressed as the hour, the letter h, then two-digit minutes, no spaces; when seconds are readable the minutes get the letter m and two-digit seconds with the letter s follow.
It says 12h27
